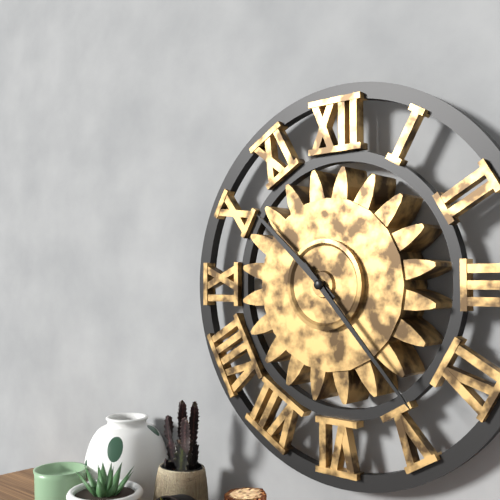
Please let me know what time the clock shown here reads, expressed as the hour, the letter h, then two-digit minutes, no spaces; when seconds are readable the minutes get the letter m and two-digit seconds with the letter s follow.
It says 10h23
